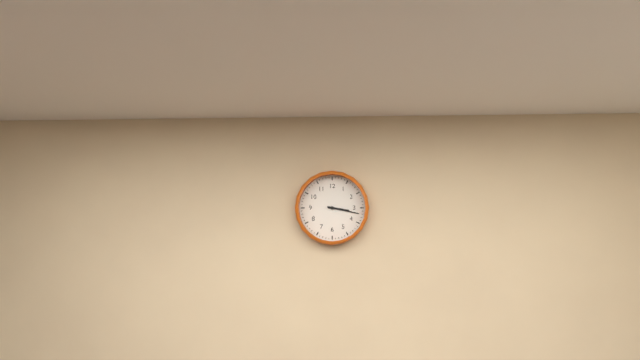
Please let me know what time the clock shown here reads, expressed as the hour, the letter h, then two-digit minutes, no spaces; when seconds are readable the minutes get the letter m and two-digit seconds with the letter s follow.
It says 3h17
